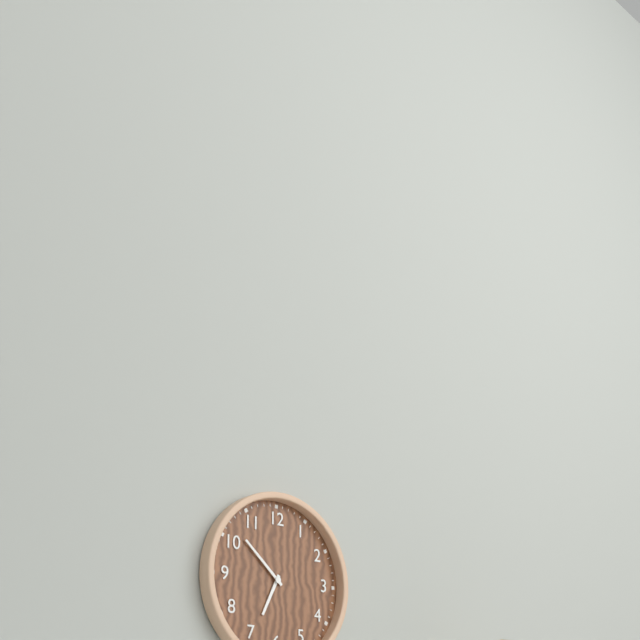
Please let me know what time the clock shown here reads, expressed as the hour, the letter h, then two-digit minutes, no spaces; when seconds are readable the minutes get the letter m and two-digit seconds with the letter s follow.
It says 6h52
